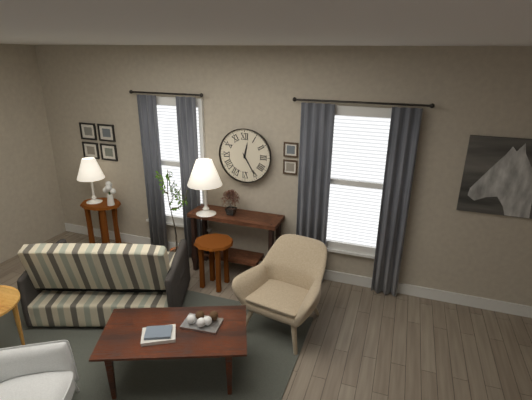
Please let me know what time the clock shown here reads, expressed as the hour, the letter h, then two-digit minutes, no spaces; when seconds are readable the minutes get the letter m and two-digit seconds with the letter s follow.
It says 12h25
